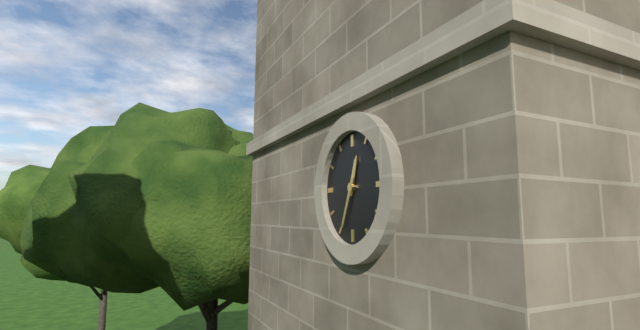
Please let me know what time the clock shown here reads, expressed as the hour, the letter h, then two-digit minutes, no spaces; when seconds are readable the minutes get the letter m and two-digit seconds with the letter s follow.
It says 12h34
